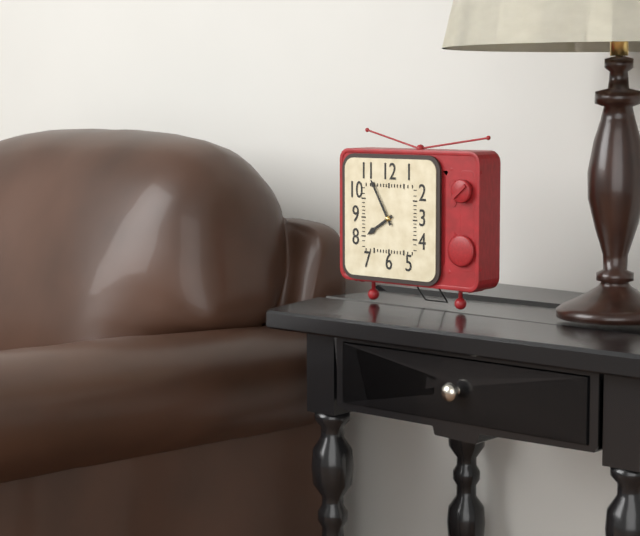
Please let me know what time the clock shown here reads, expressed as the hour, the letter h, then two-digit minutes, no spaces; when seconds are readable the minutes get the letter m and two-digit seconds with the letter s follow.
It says 7h55
